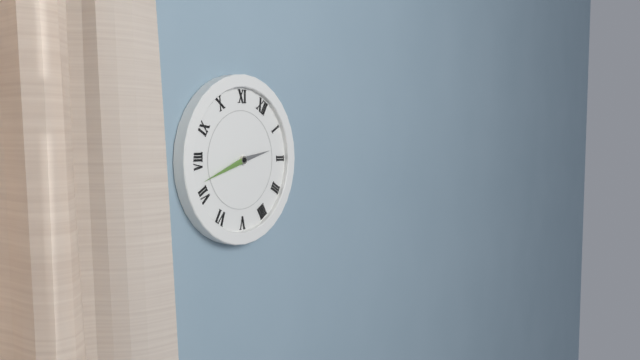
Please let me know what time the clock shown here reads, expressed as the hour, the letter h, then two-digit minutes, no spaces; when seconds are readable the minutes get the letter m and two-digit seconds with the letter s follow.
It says 1h37
